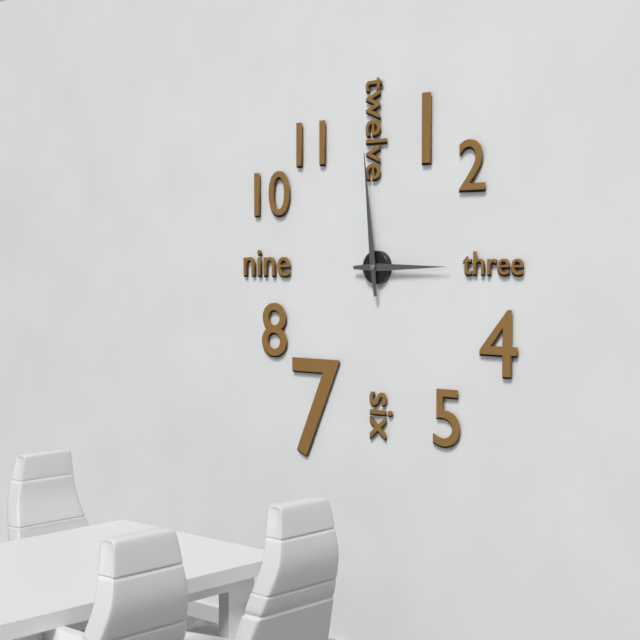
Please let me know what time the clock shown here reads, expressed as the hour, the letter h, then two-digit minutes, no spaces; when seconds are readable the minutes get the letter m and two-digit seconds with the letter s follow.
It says 2h59
